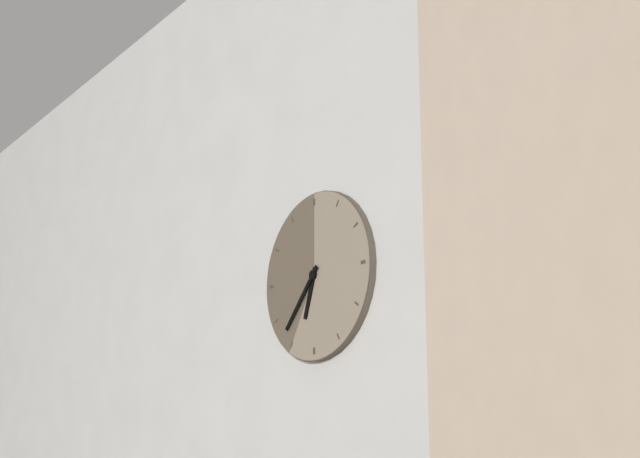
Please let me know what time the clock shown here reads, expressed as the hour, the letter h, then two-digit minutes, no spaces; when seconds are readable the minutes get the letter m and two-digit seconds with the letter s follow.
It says 6h37
